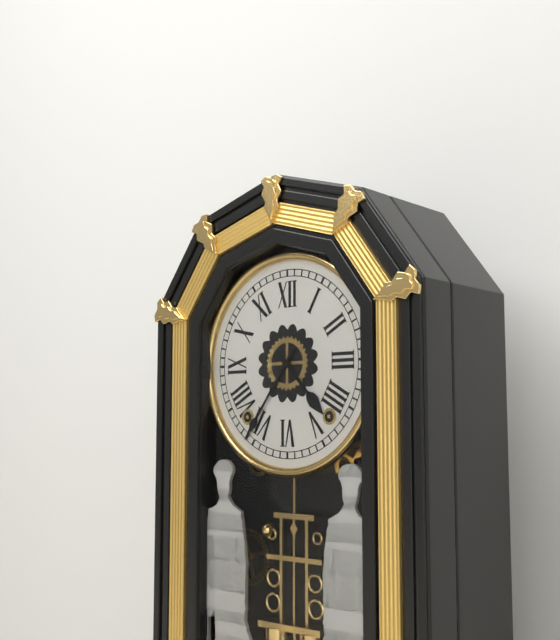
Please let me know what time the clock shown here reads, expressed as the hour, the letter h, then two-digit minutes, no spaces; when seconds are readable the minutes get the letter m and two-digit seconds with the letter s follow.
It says 4h36
